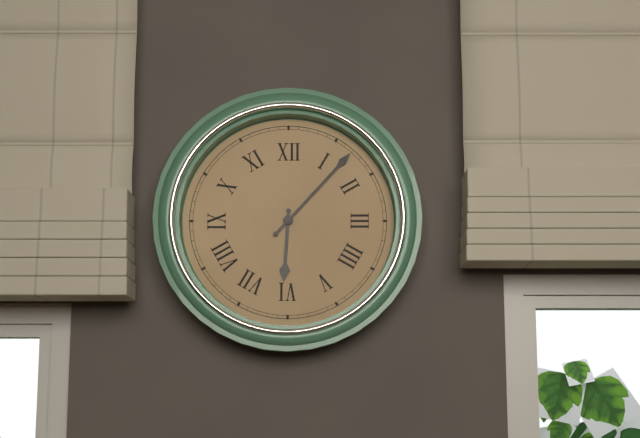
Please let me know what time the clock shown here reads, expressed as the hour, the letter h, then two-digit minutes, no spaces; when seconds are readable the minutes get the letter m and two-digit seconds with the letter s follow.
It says 6h07
